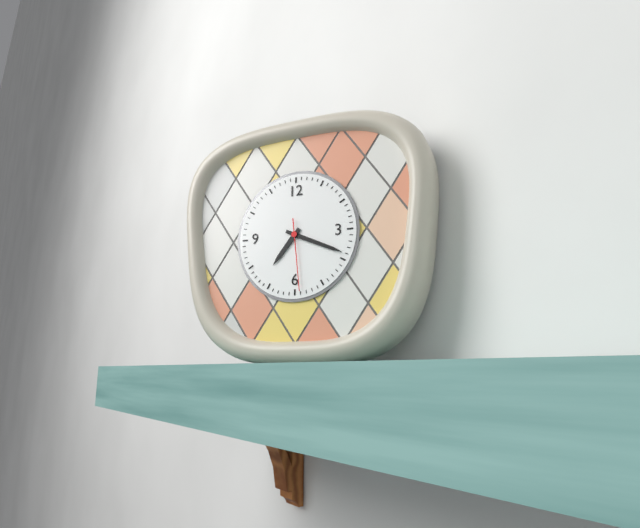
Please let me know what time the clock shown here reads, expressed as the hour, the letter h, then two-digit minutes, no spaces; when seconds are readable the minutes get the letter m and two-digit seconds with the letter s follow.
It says 7h19m29s
